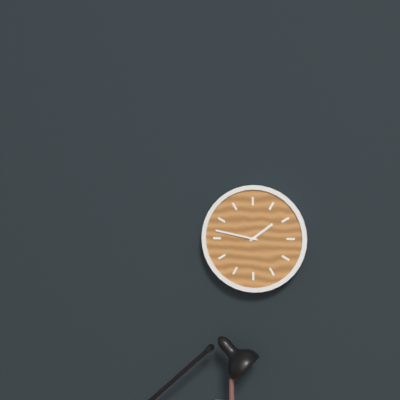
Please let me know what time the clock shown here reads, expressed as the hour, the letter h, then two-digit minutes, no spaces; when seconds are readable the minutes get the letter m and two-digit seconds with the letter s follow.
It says 1h47
